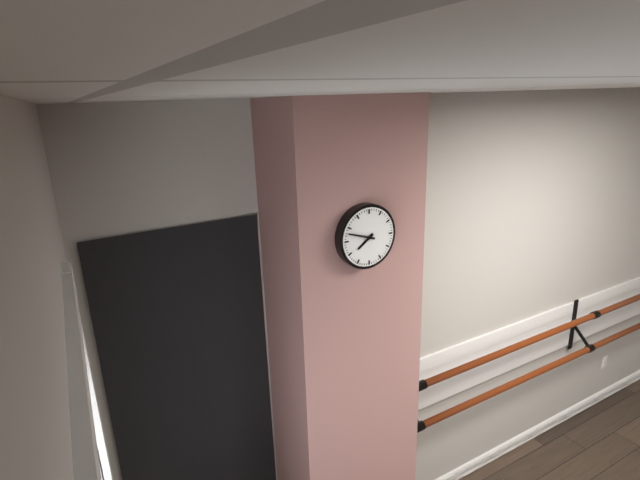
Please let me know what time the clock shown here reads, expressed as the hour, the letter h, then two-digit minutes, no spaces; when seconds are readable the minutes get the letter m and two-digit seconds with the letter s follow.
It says 7h48
